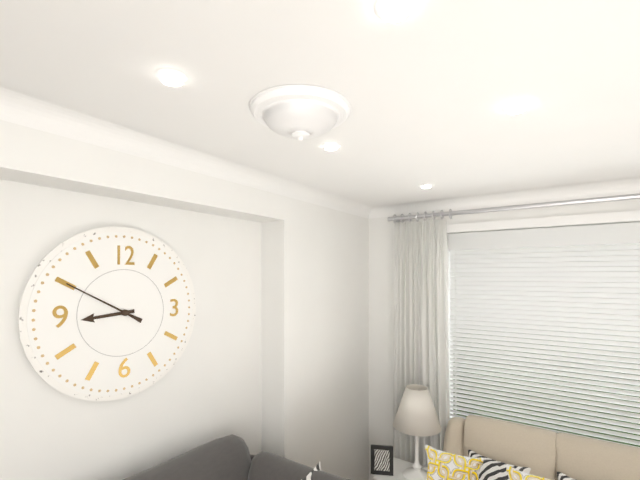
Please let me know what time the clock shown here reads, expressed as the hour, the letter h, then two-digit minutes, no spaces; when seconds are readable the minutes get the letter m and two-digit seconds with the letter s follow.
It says 8h50
